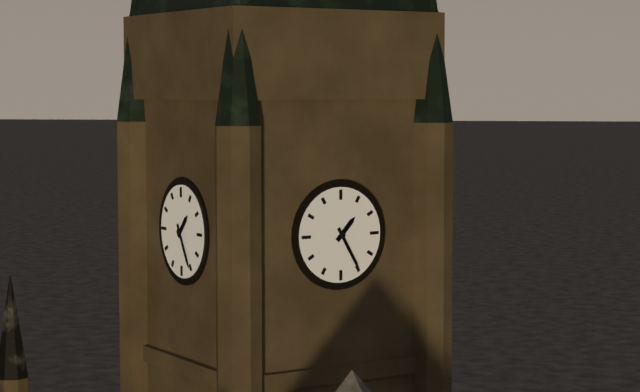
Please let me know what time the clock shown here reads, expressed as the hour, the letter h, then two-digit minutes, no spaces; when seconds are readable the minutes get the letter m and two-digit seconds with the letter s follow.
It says 1h25
